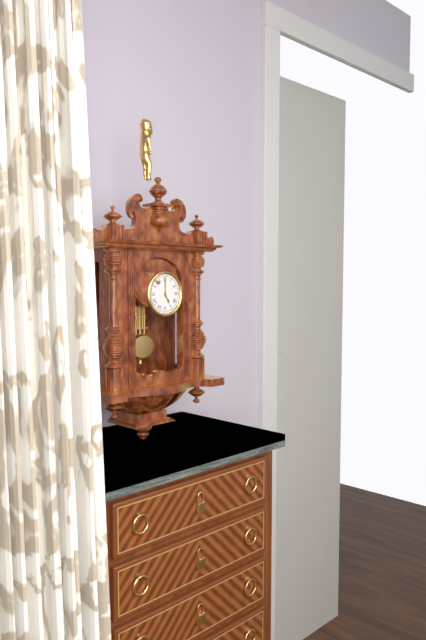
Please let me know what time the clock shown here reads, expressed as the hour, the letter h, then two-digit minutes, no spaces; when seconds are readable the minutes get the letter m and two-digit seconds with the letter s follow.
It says 5h00
